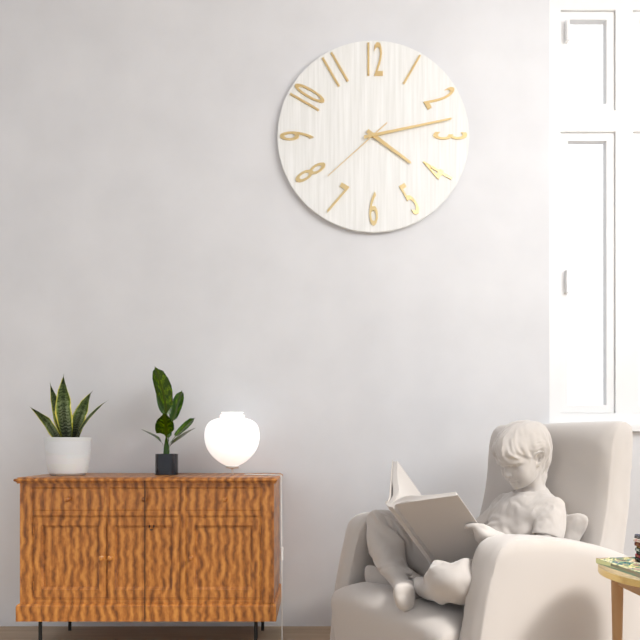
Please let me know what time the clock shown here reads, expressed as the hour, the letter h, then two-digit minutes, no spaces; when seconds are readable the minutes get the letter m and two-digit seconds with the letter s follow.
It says 4h13m38s
